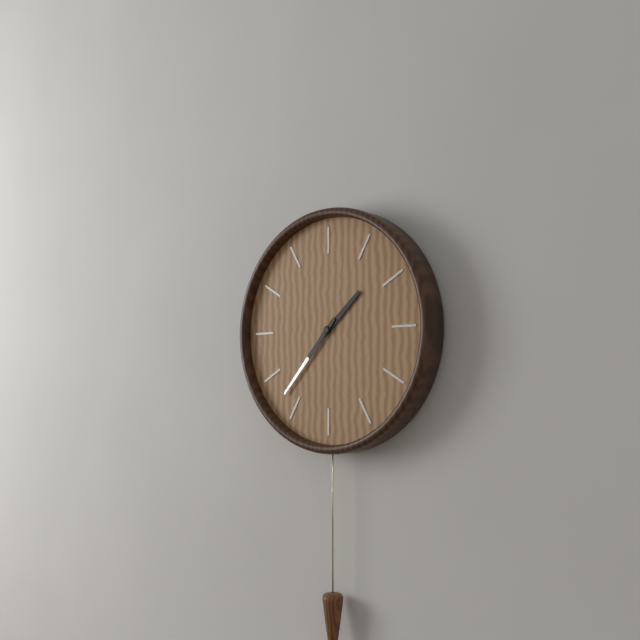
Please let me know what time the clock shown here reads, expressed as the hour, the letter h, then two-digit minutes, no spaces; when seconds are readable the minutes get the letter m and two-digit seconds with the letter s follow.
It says 1h37
